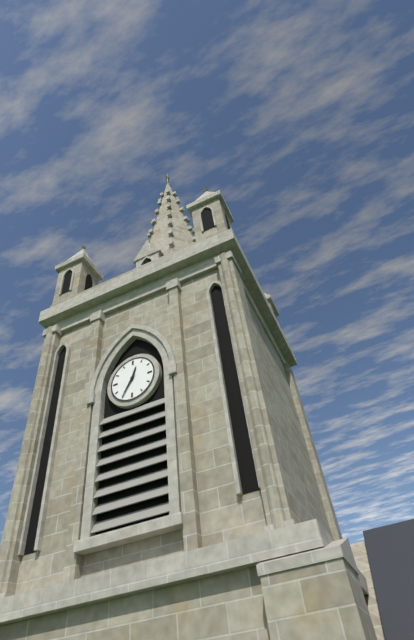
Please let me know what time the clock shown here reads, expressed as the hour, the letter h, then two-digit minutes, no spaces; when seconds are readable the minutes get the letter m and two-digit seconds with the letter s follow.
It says 12h35
